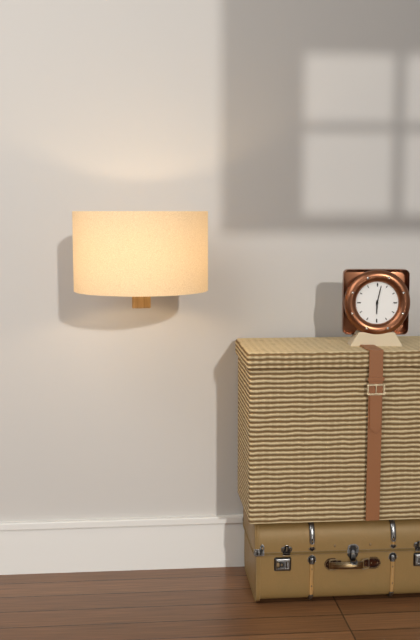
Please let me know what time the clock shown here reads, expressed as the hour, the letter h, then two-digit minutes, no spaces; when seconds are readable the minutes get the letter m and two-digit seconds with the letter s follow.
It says 6h02
